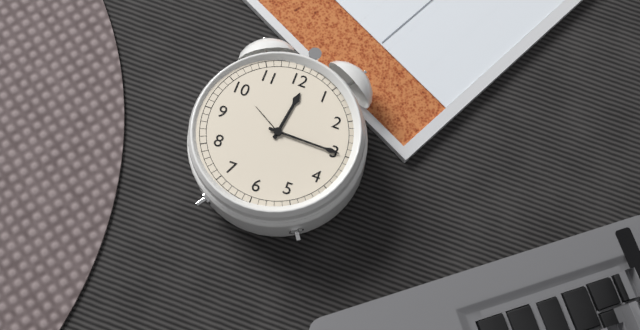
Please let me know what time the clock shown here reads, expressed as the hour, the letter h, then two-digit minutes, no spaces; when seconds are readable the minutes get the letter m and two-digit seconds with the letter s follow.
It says 12h15
